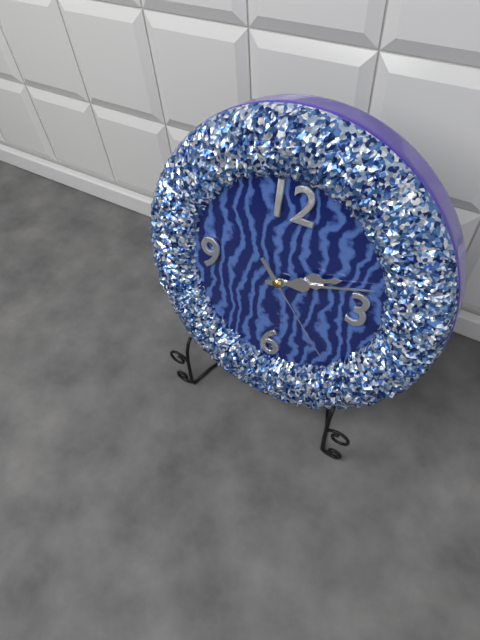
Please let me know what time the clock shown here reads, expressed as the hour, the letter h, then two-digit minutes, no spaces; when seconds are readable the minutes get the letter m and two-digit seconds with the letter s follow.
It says 2h12m23s
